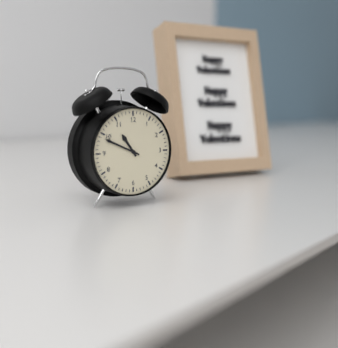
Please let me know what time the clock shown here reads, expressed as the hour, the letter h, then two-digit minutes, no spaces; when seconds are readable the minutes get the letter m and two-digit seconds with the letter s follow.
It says 10h49
